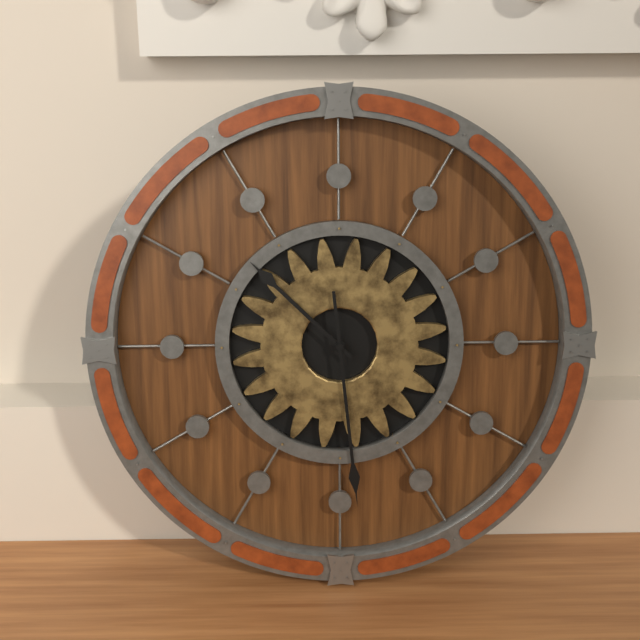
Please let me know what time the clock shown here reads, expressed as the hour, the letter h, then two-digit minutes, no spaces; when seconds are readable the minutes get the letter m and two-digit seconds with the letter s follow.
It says 10h29
